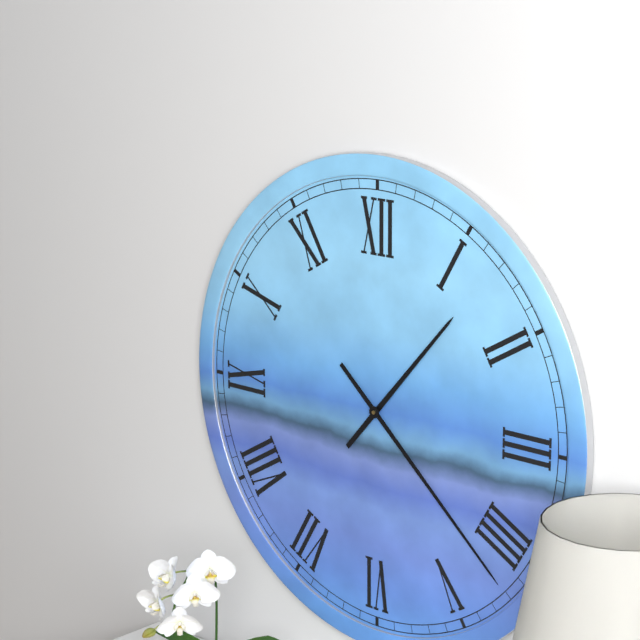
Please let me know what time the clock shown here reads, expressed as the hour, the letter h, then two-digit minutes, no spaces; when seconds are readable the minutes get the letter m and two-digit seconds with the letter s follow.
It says 1h22
